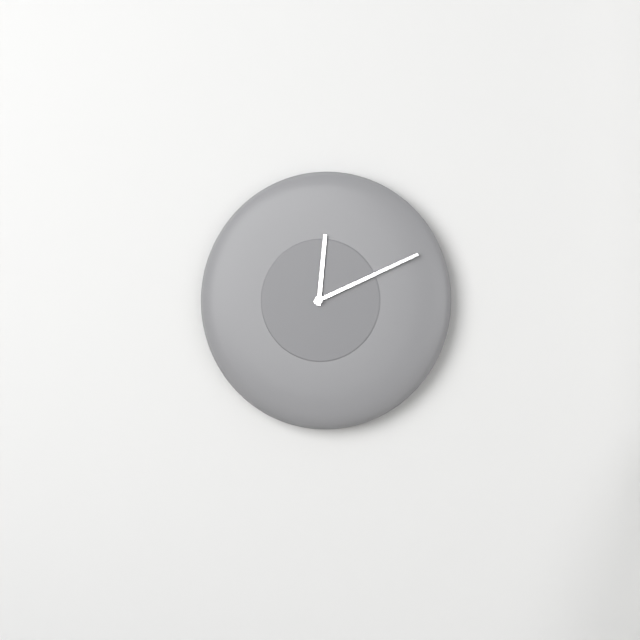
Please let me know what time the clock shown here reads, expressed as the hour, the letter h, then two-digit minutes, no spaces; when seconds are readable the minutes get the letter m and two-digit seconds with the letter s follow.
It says 12h11
